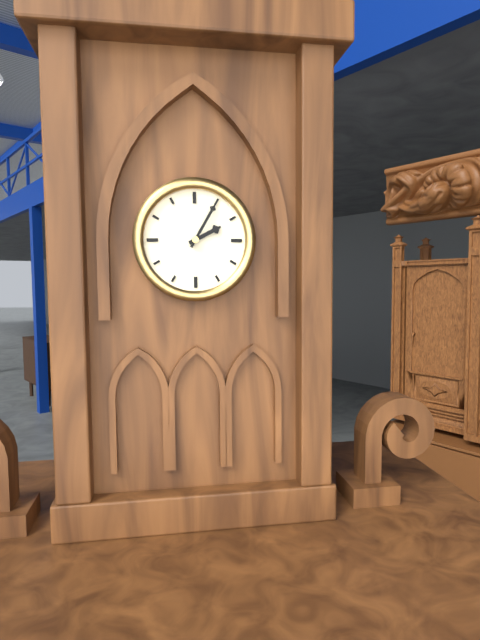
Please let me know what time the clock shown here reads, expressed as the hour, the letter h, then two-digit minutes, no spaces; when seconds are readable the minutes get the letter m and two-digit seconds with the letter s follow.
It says 2h05
